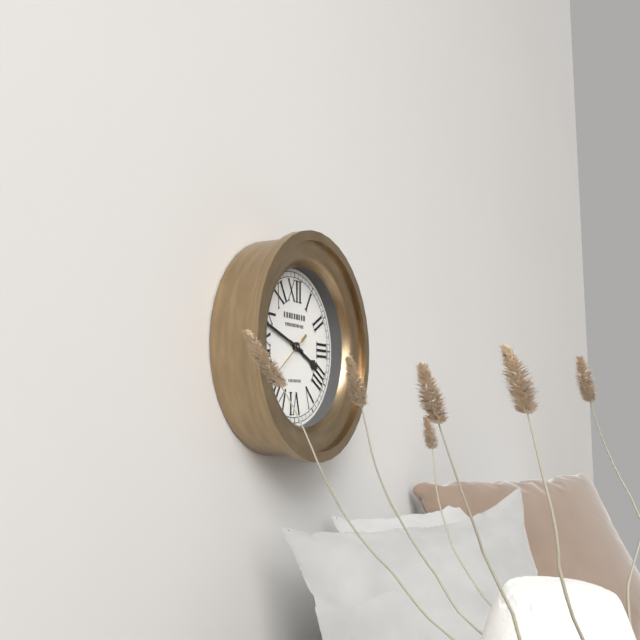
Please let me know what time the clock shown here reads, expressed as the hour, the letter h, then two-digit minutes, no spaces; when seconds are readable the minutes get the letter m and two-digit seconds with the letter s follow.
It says 3h48
